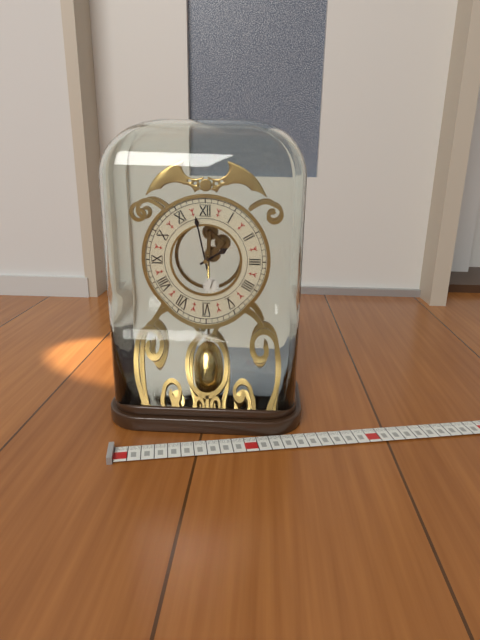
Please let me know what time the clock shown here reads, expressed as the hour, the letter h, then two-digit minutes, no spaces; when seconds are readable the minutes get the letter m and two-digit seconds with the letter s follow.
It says 1h58
